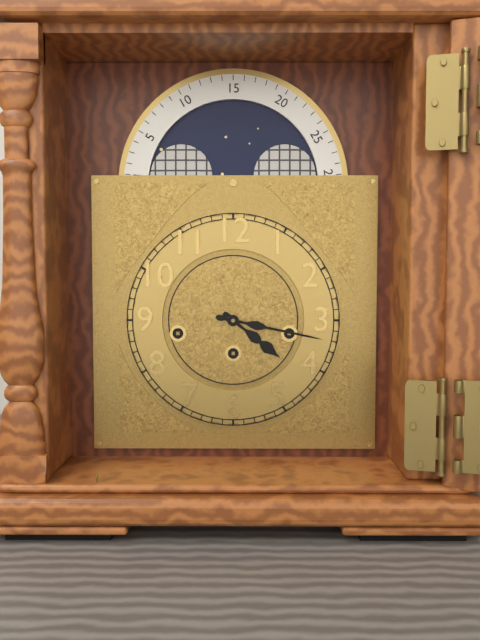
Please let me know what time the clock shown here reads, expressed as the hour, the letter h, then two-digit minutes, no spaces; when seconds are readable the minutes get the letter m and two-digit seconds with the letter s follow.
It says 4h17
